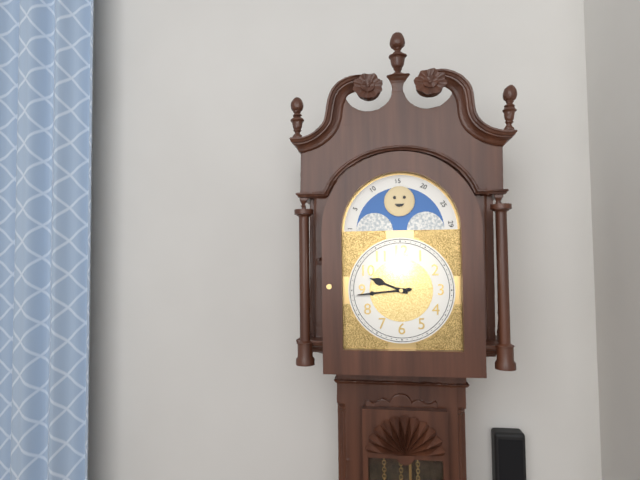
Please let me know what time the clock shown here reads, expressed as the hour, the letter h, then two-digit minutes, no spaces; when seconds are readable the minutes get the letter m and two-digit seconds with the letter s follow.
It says 9h44
